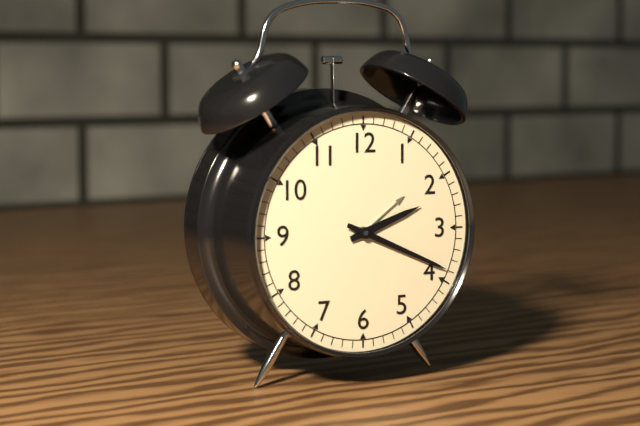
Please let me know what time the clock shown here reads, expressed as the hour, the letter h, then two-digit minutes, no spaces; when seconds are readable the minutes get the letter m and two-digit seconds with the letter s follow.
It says 2h19
